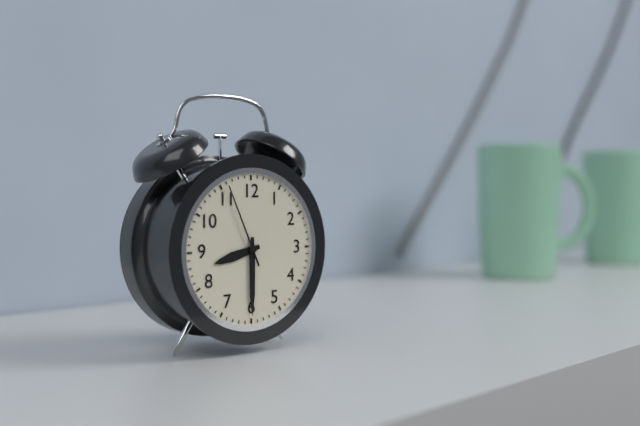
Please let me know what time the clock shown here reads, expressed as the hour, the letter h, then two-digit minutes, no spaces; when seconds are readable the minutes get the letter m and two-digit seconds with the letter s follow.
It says 8h30m56s
